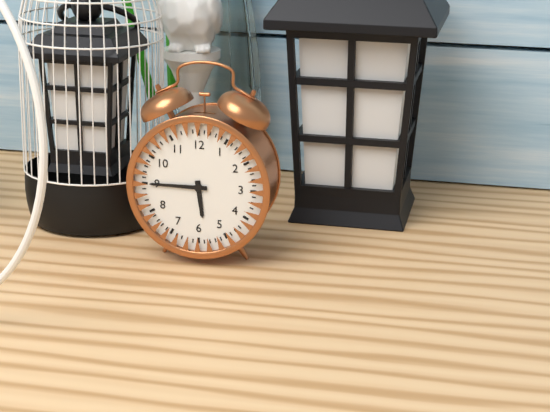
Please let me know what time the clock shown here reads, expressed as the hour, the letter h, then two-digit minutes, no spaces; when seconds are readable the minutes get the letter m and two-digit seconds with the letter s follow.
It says 5h45
